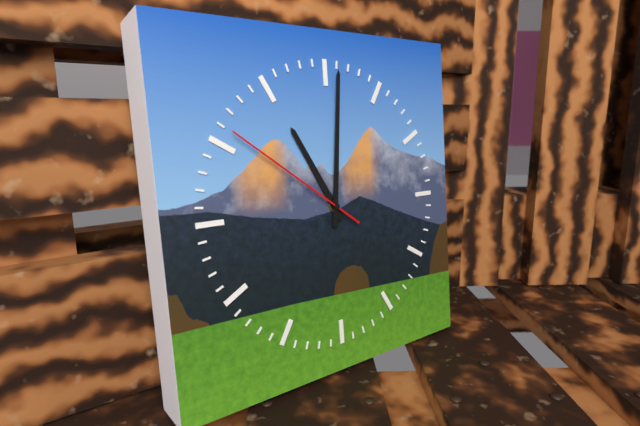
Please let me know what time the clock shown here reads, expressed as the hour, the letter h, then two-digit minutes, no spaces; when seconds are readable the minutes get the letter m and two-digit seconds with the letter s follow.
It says 11h01m51s
